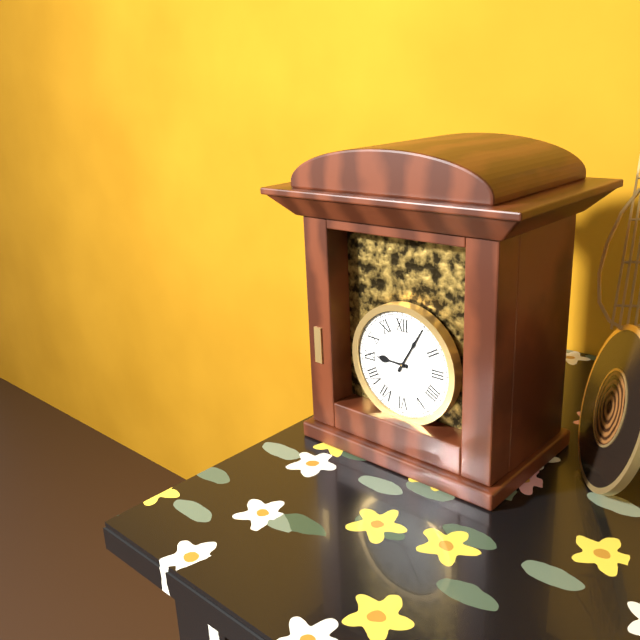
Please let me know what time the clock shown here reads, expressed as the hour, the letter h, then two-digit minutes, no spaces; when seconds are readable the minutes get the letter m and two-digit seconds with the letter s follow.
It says 9h05
